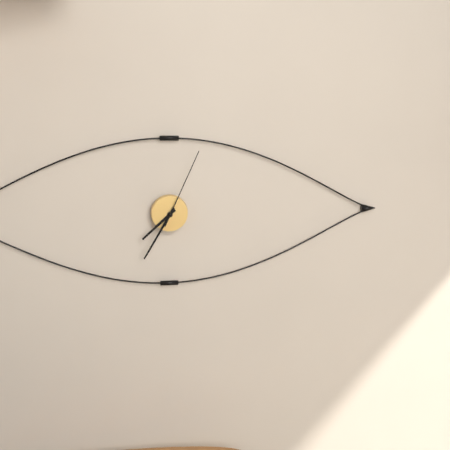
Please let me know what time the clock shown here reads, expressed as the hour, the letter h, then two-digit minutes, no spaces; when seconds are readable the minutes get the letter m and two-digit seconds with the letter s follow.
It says 7h35m04s
